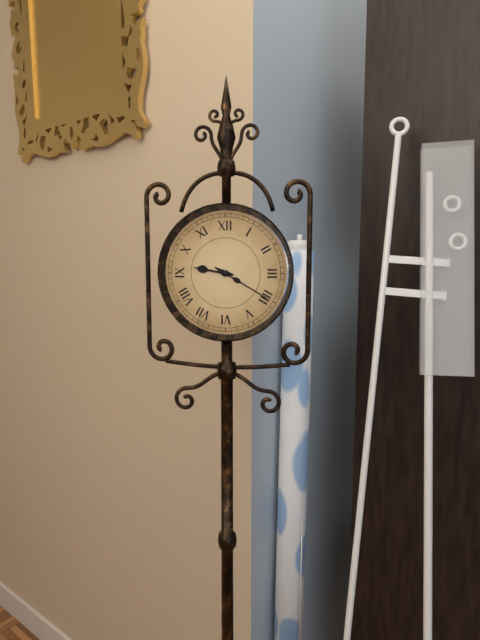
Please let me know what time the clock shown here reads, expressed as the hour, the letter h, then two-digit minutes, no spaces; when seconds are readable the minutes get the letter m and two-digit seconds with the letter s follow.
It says 9h20
